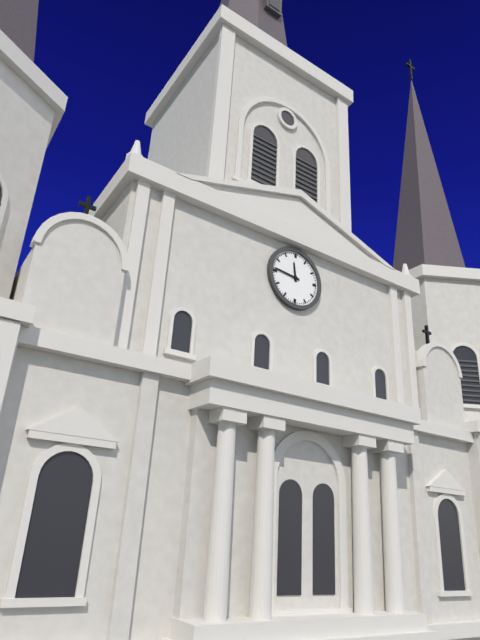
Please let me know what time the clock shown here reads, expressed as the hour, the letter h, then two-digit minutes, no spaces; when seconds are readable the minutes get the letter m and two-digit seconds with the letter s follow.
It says 11h46
